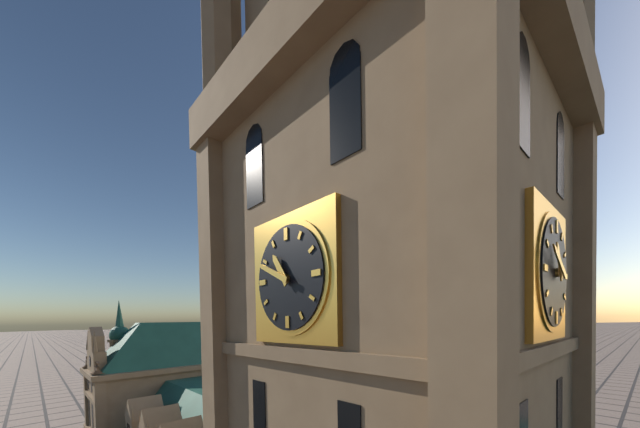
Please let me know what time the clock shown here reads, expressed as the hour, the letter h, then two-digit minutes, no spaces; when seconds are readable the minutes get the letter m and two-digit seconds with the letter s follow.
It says 10h49
